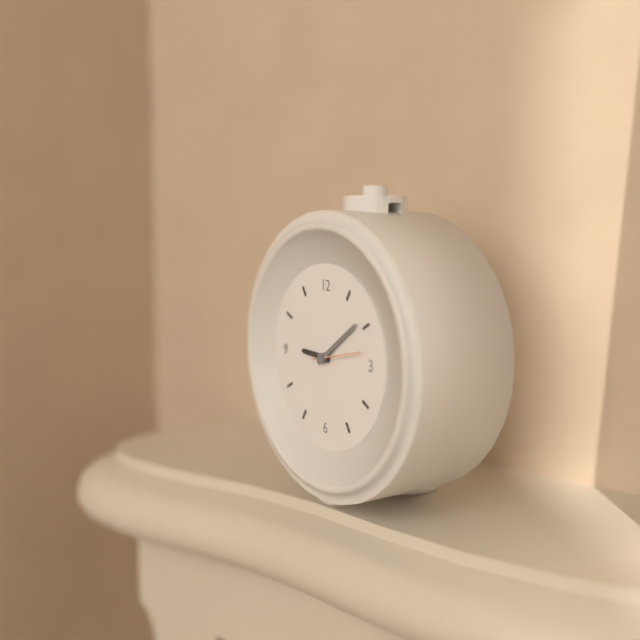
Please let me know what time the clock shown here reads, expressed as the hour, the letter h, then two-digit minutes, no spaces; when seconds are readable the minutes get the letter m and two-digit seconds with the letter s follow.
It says 9h09m13s
